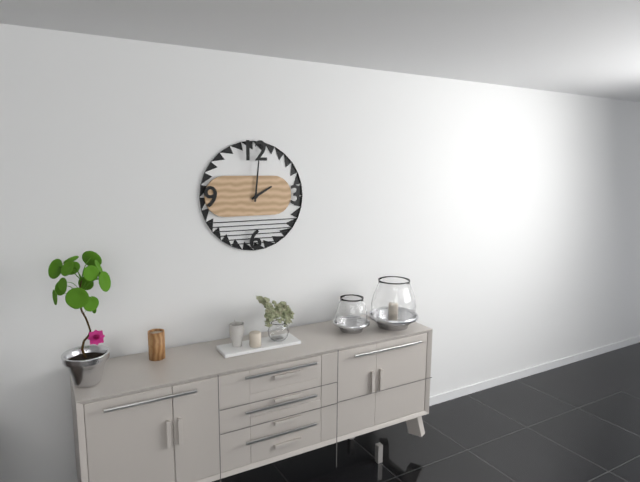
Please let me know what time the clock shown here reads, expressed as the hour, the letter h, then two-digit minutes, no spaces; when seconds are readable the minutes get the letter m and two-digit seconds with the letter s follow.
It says 2h01
